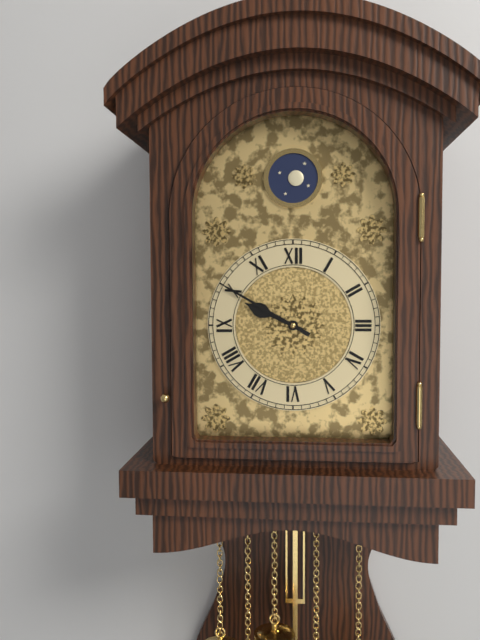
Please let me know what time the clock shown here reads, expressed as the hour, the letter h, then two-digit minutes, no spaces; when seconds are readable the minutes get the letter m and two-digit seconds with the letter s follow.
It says 9h50
